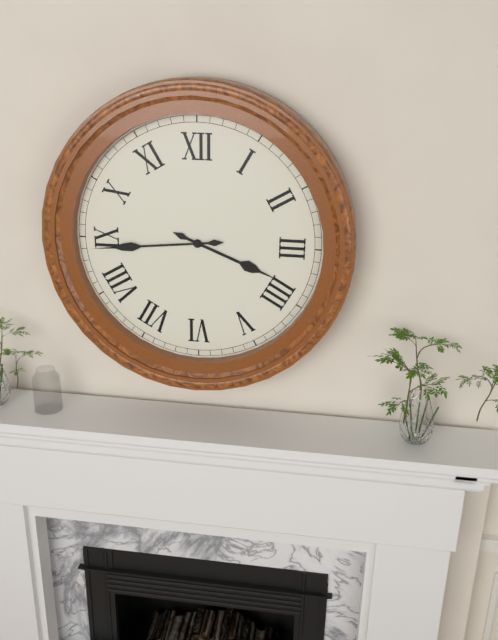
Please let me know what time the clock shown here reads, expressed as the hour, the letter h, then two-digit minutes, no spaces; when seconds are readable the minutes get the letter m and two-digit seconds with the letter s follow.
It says 3h44
